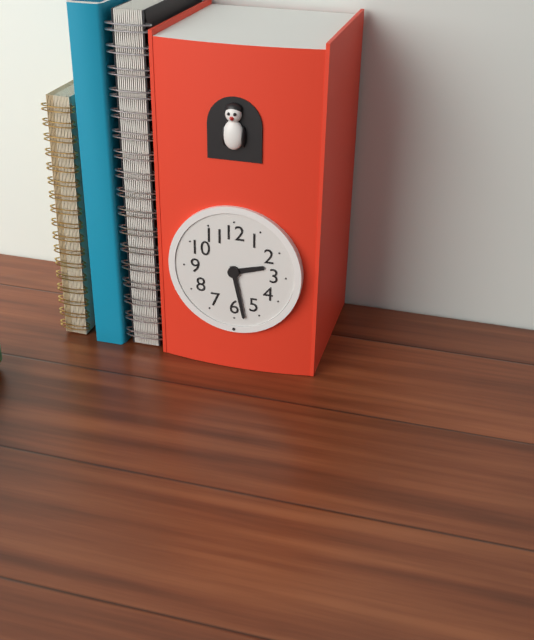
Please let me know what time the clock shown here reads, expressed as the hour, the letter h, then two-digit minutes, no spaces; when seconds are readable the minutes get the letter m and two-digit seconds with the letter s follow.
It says 2h28
